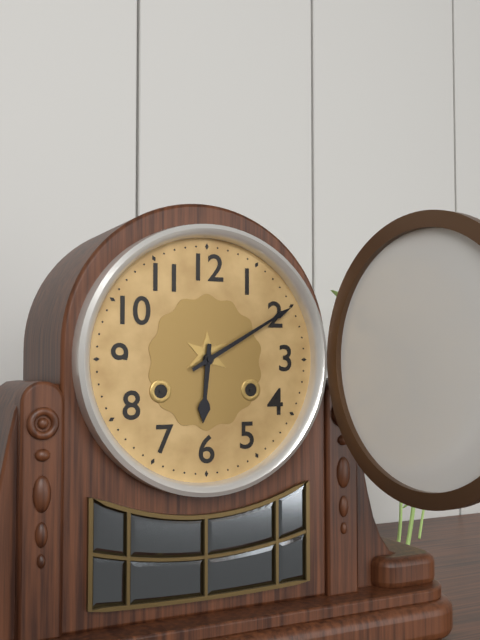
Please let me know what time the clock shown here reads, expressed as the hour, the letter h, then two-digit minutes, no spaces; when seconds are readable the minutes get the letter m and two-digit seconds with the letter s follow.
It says 6h10
